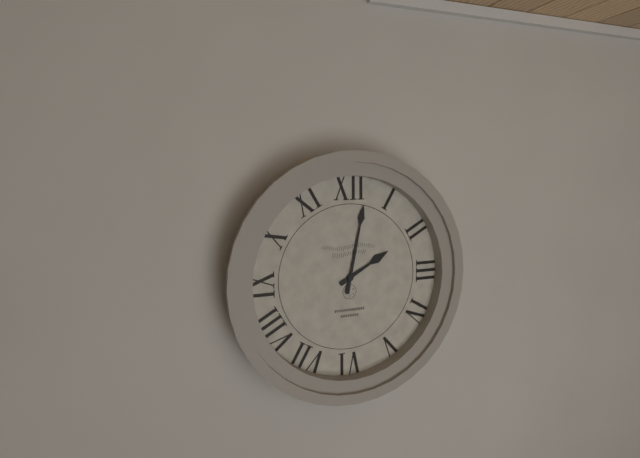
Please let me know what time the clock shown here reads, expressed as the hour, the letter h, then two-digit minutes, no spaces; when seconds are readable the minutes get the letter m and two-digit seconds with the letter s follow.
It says 2h02
